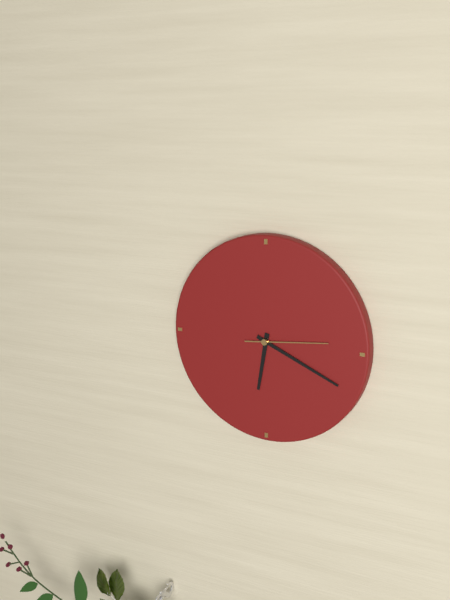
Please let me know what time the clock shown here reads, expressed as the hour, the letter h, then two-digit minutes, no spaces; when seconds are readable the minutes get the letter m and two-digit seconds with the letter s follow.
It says 6h19m14s
